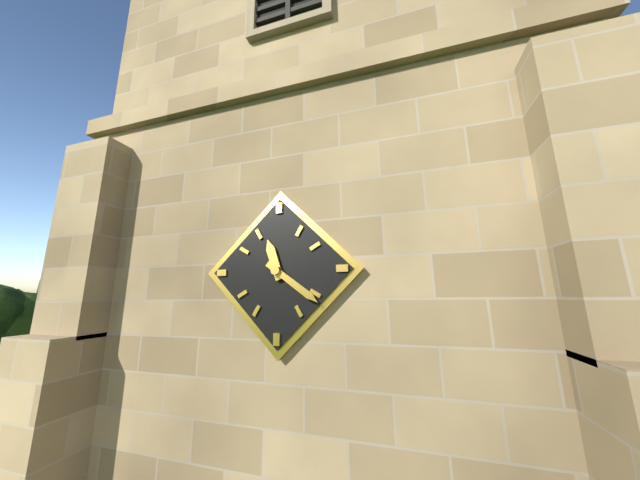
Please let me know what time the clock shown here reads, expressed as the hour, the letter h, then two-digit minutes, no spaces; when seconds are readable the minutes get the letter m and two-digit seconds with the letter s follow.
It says 11h21
